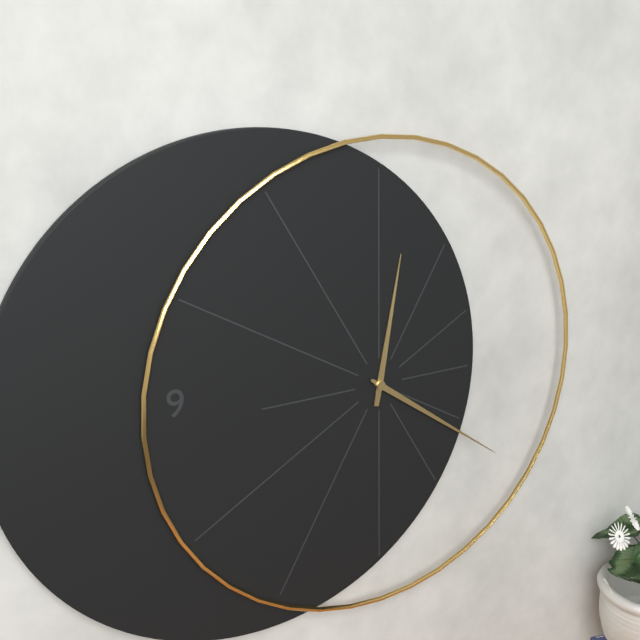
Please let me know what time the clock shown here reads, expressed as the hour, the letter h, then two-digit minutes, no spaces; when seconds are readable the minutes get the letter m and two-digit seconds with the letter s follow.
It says 12h21
